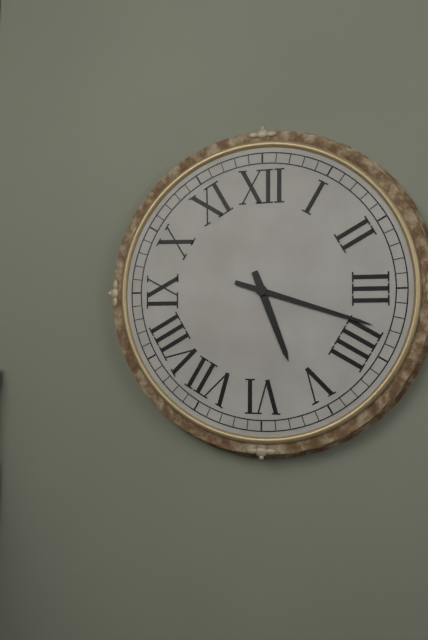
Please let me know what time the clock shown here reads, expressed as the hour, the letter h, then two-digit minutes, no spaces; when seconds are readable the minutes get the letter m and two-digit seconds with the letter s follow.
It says 5h18
